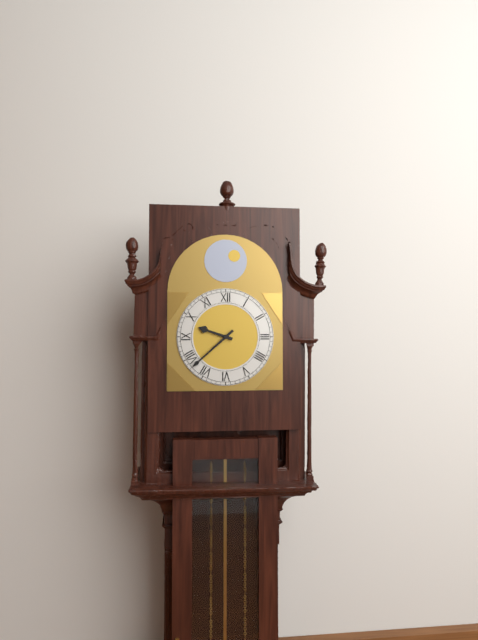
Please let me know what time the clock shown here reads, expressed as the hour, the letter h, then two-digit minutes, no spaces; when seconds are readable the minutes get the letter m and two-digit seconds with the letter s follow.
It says 9h38
